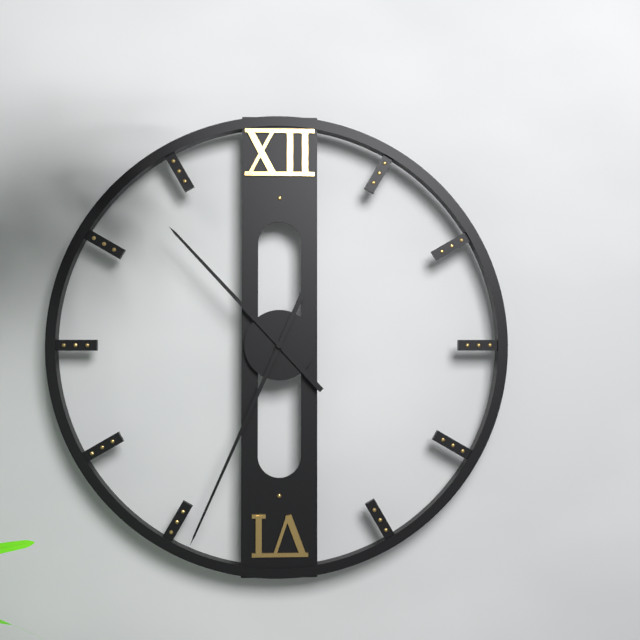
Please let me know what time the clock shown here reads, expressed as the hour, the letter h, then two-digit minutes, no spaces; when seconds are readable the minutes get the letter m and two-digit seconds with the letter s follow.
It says 10h34
